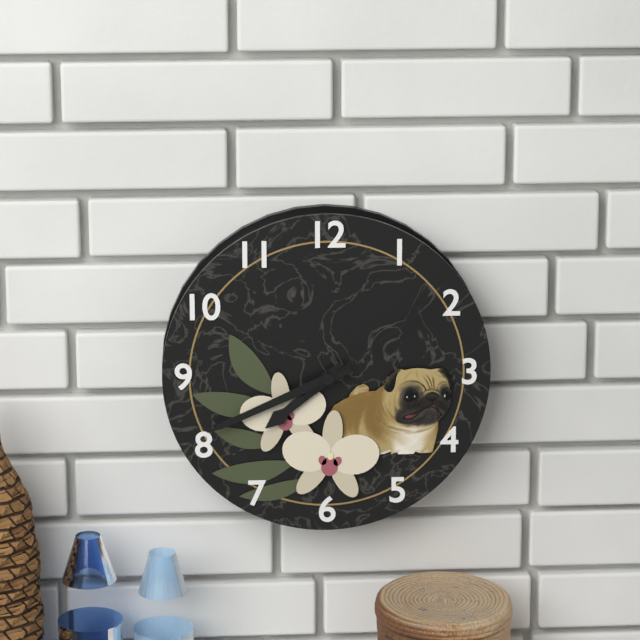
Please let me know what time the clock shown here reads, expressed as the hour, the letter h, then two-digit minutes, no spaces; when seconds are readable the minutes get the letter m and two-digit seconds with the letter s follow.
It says 7h41m09s
